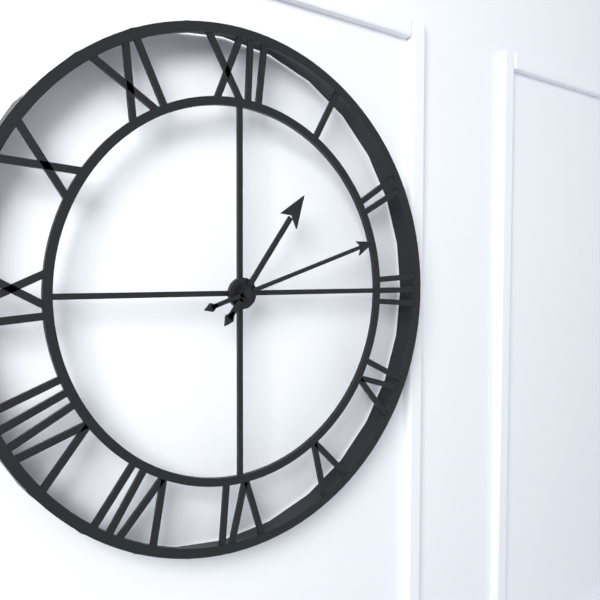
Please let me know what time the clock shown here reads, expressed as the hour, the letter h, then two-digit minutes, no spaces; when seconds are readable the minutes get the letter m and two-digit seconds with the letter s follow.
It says 1h12
